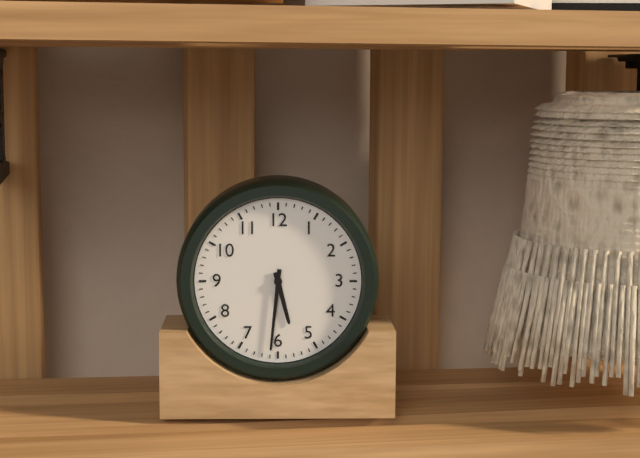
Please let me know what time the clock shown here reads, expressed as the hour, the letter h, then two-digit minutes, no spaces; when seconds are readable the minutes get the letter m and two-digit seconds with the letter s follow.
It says 5h31
